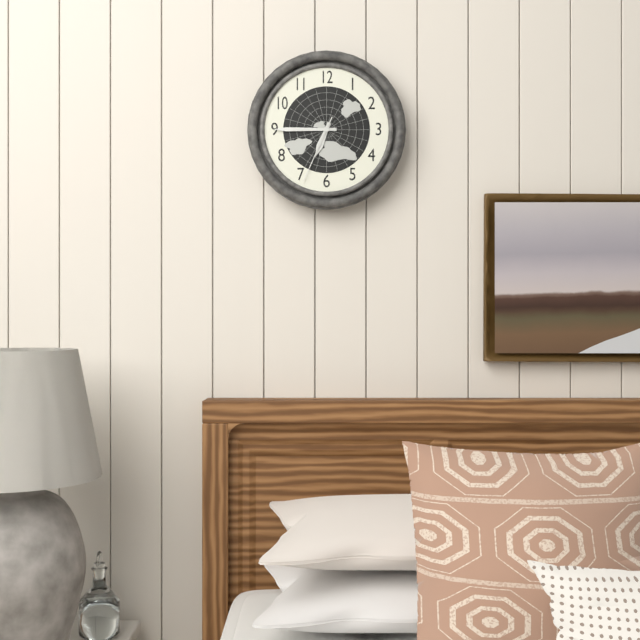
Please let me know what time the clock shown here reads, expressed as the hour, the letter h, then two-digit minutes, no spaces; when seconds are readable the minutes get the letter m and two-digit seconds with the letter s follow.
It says 6h45m34s
